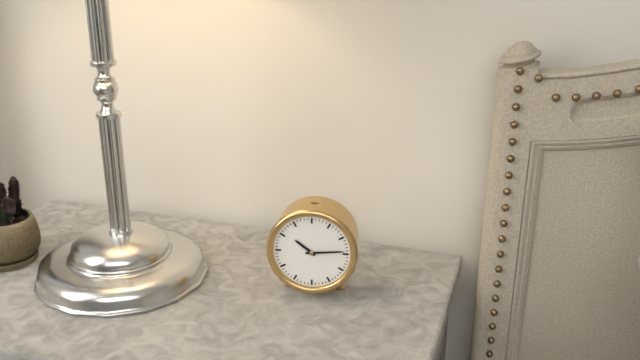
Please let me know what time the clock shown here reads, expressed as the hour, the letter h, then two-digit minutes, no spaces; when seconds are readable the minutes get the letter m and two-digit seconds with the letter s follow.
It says 10h14
